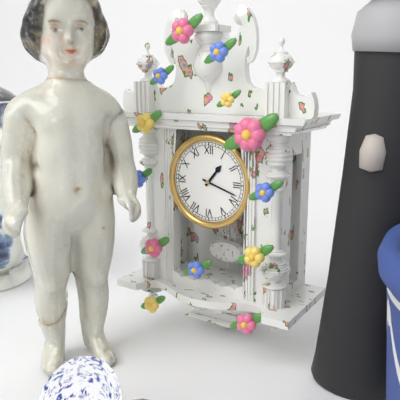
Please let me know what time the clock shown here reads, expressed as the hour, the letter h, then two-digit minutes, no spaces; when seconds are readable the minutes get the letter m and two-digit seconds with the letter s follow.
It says 1h18
